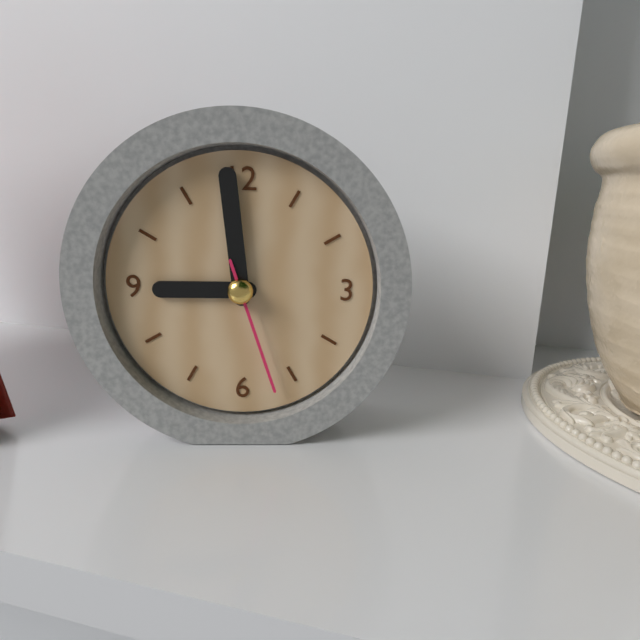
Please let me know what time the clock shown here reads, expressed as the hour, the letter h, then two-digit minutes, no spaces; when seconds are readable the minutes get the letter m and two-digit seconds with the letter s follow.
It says 8h59m27s
